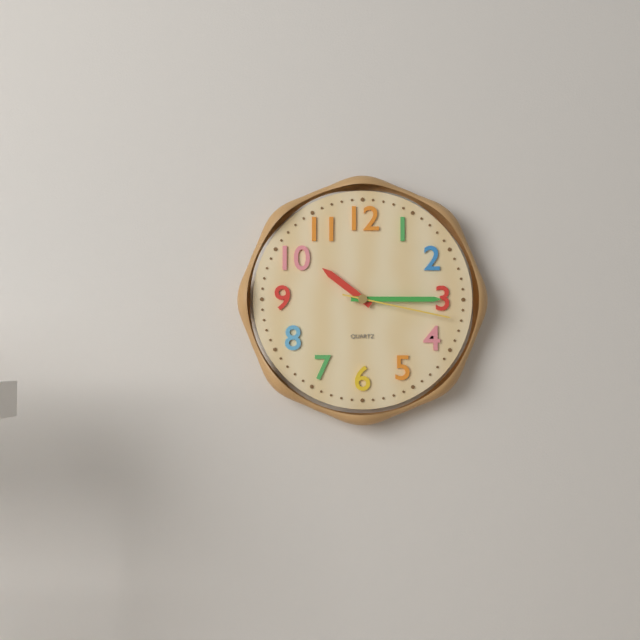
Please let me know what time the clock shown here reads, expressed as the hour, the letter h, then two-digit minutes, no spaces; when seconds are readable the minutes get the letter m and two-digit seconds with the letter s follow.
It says 10h15m17s
